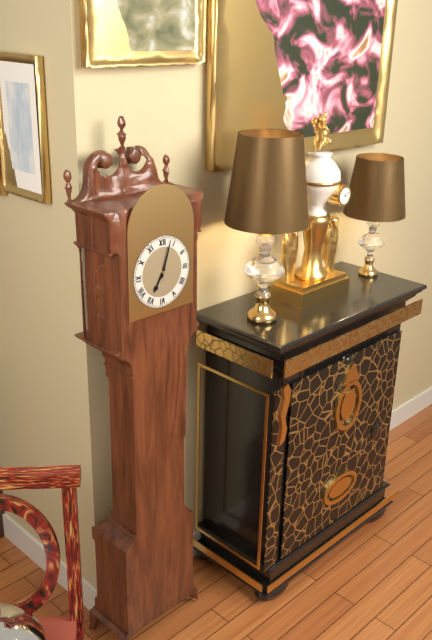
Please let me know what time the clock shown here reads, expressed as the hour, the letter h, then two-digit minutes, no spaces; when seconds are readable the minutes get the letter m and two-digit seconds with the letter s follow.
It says 7h03
